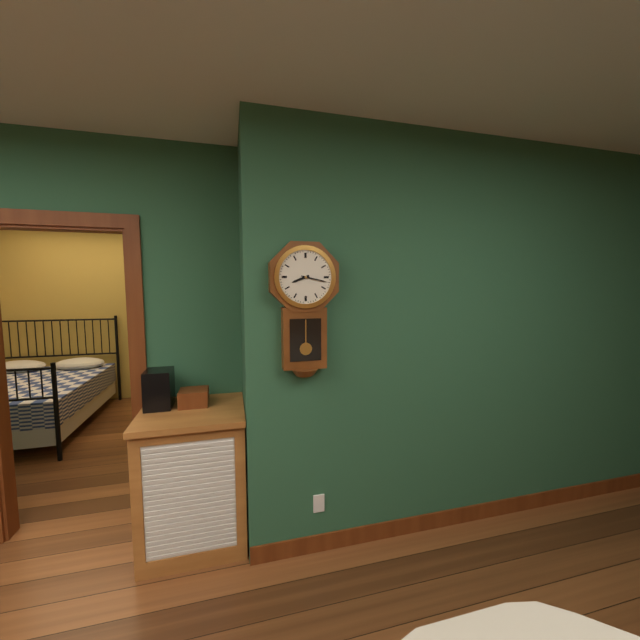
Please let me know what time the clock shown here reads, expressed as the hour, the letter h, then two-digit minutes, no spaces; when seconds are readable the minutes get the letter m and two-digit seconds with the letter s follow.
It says 8h17
